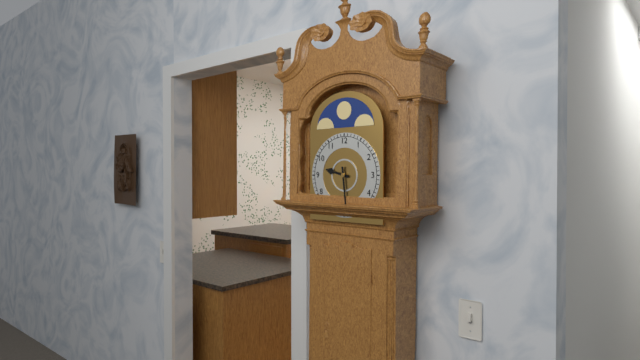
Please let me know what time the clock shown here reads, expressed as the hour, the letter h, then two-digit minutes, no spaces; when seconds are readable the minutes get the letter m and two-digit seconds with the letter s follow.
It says 9h29
